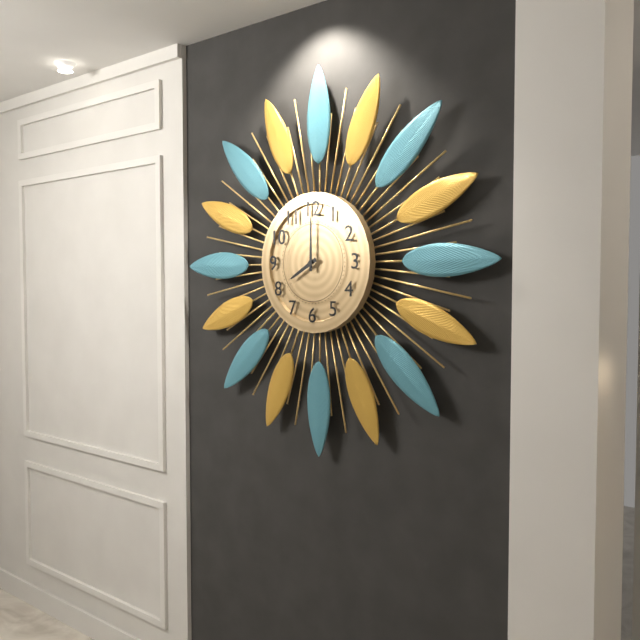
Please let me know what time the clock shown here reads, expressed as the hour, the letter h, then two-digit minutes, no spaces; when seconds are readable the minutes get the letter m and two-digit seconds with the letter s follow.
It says 8h00
